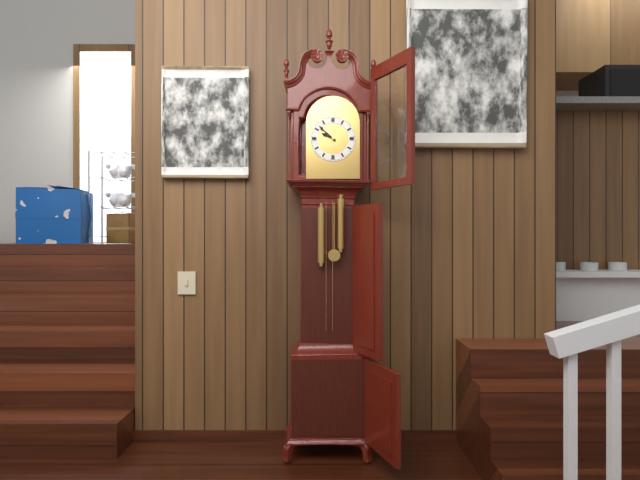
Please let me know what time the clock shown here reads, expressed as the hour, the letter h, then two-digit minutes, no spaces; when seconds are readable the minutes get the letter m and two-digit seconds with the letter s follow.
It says 9h52
